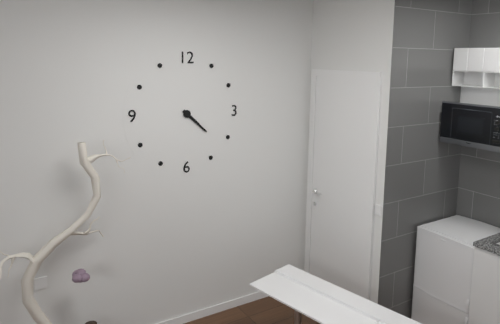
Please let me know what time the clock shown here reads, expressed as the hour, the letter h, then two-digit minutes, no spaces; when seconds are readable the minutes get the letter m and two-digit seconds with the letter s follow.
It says 4h22
